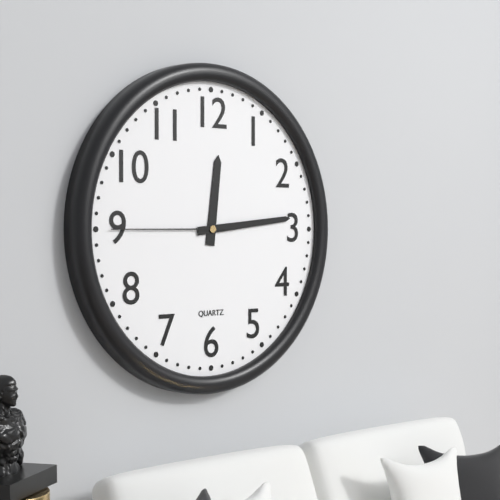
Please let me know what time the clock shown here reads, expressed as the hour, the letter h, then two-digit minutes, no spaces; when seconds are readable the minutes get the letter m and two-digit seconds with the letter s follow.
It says 12h14m45s
